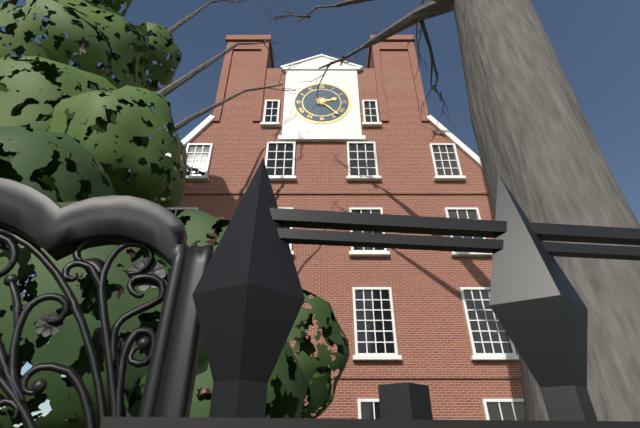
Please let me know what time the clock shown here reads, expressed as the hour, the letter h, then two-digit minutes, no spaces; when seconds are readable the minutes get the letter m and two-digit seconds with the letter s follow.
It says 2h23
